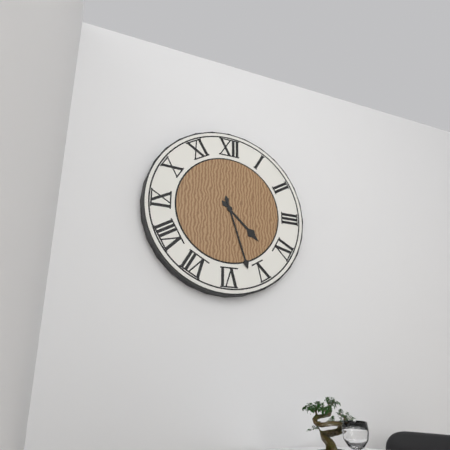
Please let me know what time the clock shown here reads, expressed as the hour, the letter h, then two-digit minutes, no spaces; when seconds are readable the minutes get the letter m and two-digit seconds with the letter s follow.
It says 4h27
